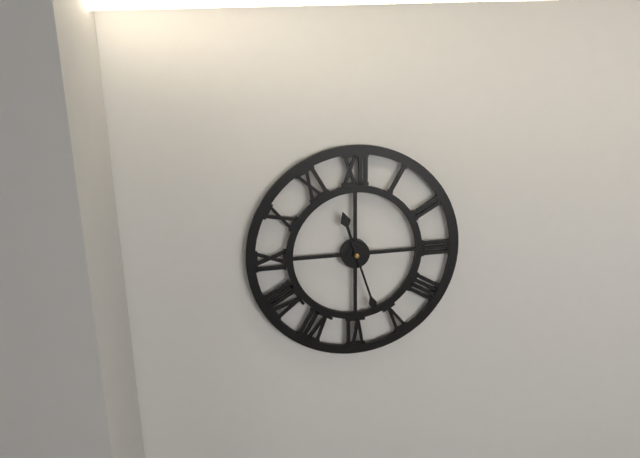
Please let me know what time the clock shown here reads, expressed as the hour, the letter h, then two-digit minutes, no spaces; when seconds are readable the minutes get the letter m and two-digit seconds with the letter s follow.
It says 11h27
